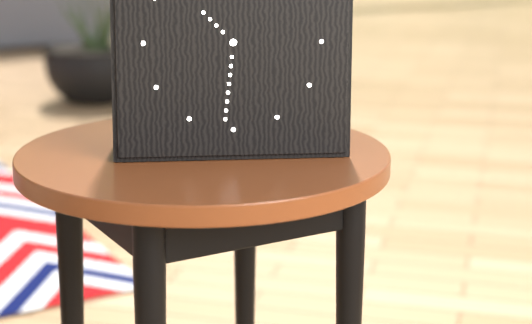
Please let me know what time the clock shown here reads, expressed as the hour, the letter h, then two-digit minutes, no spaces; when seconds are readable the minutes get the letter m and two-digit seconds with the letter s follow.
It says 10h31
